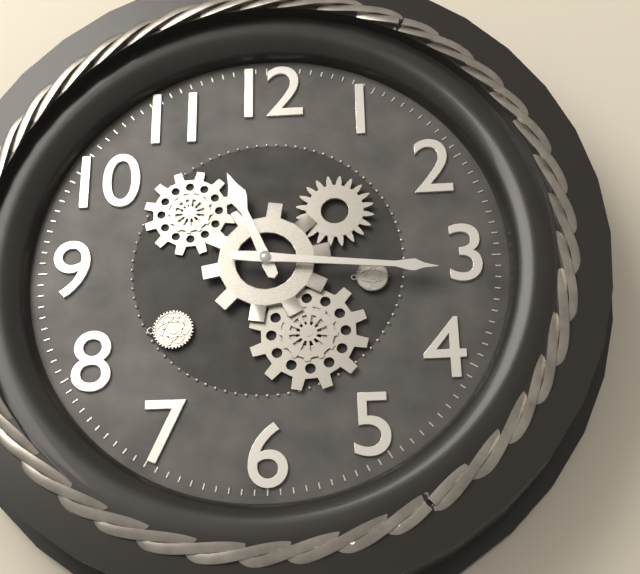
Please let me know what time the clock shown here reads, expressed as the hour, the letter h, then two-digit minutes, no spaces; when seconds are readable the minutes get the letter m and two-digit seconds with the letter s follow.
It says 11h16
